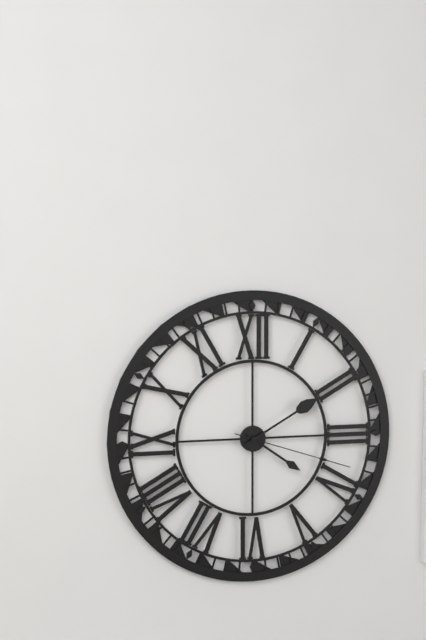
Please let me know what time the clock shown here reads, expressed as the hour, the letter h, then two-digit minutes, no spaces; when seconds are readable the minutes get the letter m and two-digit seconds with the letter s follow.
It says 4h10m18s
